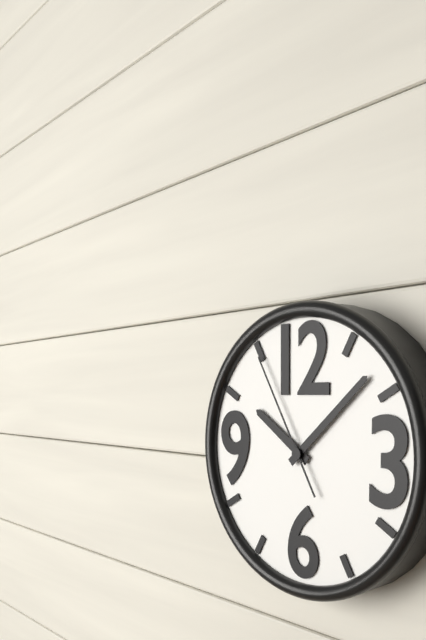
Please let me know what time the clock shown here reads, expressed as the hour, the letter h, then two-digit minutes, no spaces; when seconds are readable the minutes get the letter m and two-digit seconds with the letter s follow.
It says 10h08m55s
